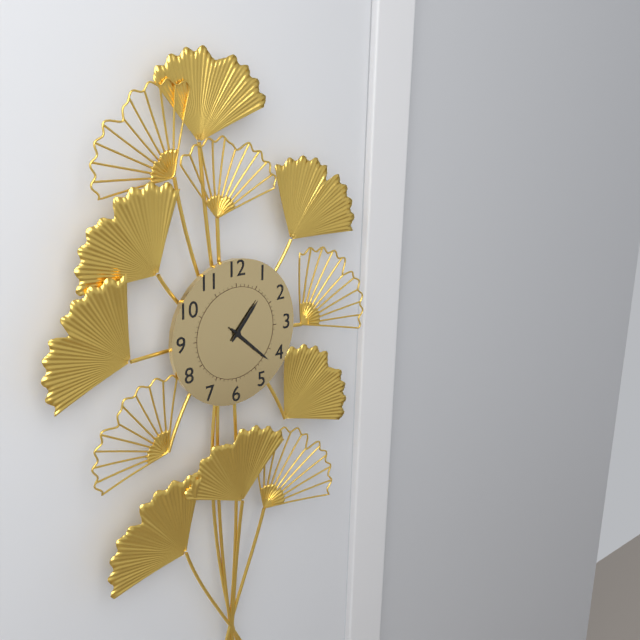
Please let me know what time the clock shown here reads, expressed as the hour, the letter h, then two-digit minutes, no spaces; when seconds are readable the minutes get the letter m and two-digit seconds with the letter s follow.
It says 1h22
